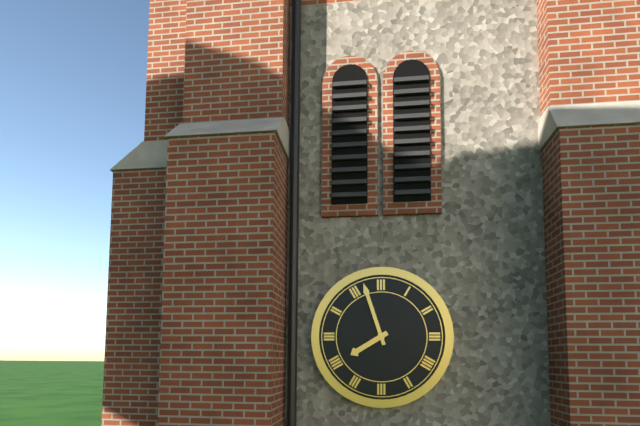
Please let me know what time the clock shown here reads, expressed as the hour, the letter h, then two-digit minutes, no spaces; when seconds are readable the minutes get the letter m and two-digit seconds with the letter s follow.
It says 7h57
